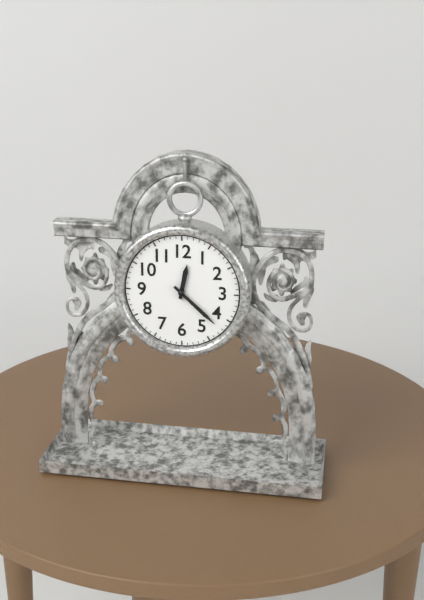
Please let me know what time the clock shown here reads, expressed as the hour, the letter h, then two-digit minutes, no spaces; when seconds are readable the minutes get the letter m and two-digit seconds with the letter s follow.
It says 12h22
